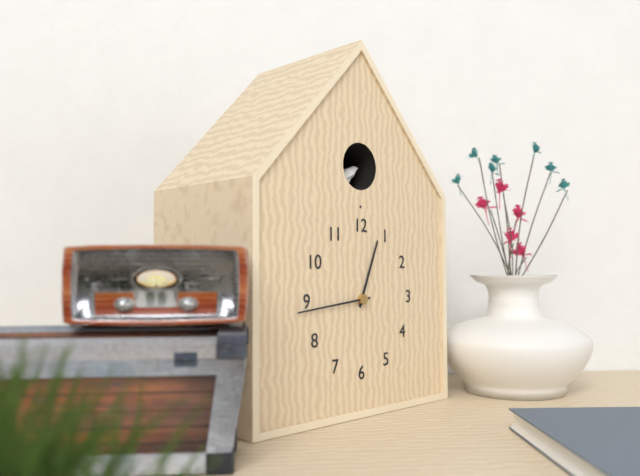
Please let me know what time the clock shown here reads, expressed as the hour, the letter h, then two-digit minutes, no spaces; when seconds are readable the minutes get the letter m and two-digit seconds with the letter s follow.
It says 12h44
